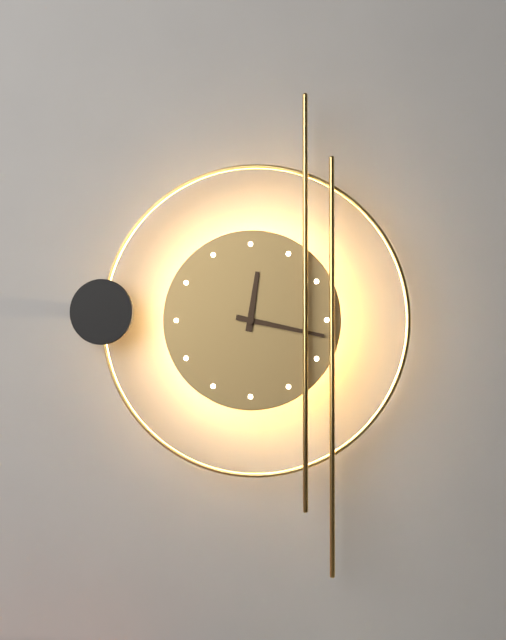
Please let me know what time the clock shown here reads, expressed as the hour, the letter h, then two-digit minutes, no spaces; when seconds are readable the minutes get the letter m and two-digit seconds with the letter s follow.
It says 12h17
